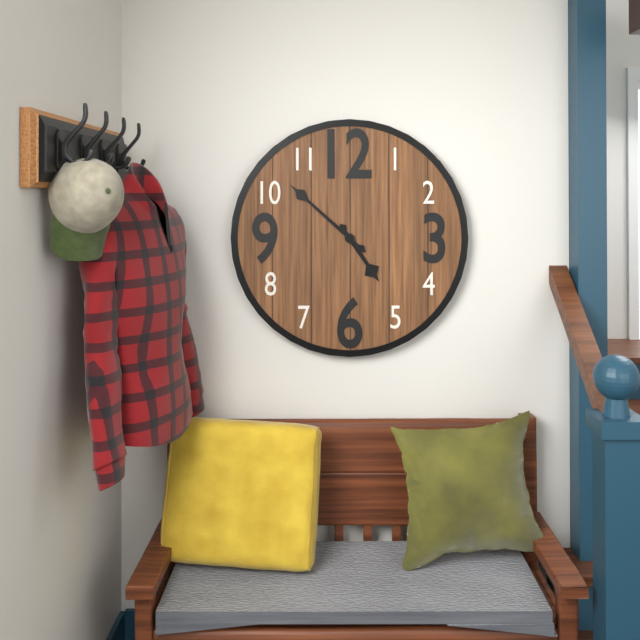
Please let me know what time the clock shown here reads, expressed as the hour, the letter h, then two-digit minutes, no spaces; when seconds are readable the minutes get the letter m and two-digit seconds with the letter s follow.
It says 4h52
